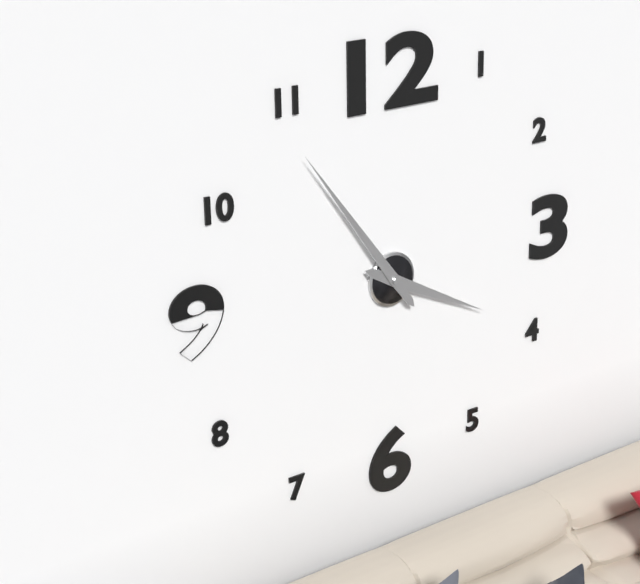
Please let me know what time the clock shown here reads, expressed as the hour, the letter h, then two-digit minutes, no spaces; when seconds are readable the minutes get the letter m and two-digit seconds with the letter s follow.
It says 3h54
